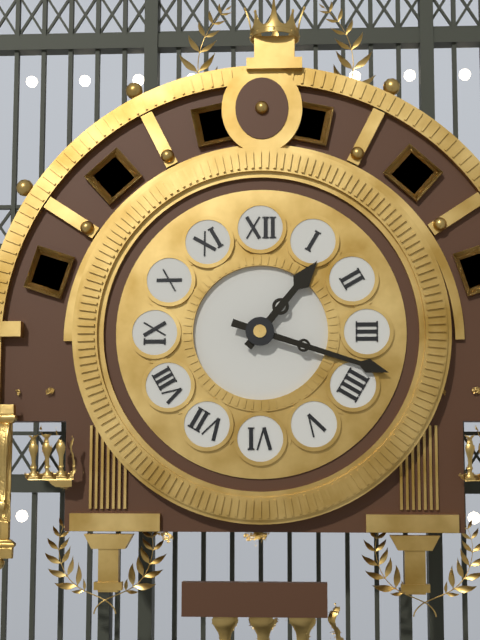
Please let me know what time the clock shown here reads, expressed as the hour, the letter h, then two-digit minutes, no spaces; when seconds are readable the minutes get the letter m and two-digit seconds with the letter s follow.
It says 1h18
